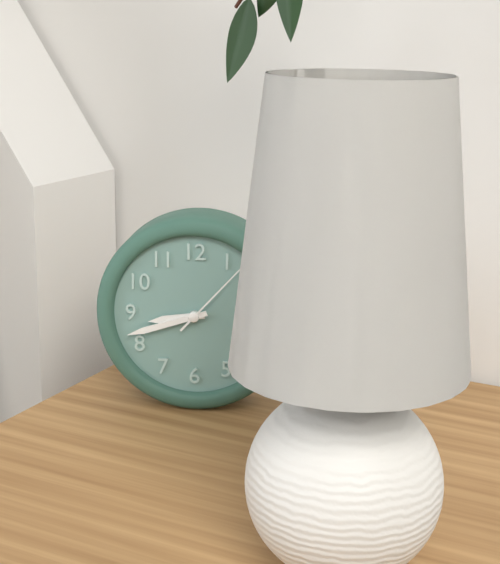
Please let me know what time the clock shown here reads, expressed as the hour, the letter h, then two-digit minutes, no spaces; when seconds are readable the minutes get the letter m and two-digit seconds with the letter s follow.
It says 8h42m07s
